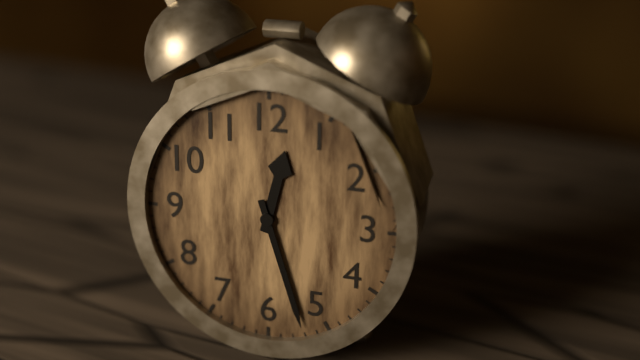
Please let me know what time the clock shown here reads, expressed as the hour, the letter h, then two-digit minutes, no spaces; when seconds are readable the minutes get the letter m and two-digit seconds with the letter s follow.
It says 12h27
